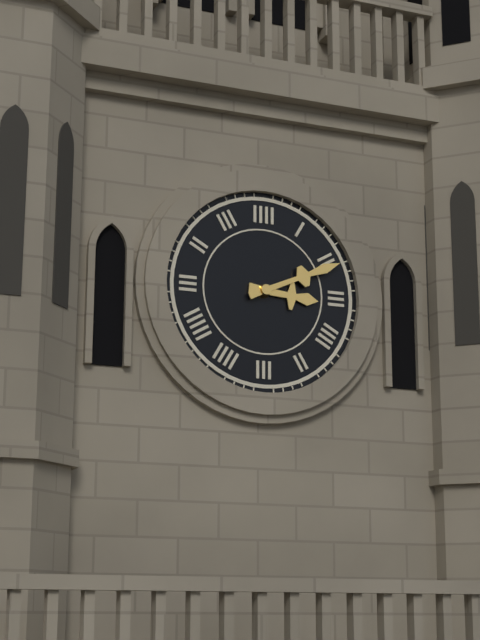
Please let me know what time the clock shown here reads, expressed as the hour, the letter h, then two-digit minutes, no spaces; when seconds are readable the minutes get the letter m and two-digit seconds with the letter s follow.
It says 3h11
